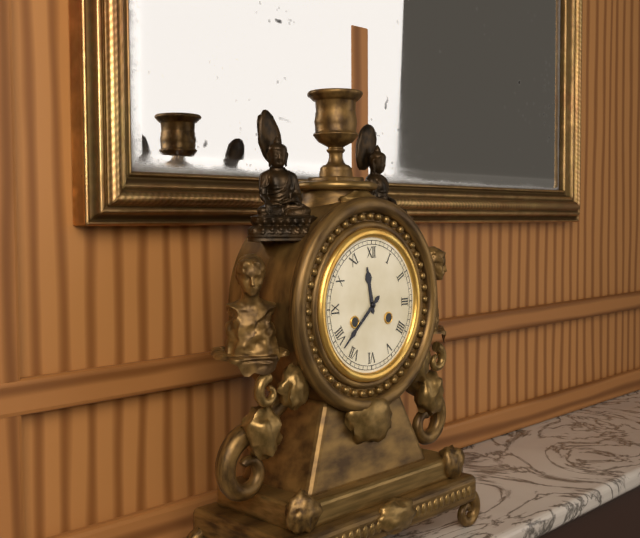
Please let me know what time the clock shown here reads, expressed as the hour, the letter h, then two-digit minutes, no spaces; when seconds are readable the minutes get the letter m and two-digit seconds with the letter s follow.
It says 11h38
